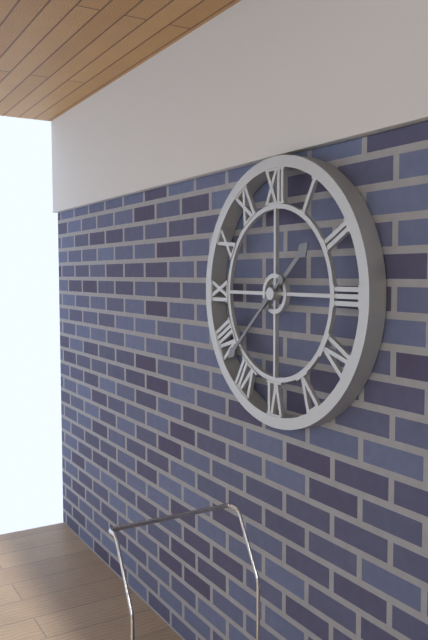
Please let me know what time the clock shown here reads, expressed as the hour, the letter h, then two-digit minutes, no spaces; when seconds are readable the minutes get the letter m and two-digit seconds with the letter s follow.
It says 1h38
